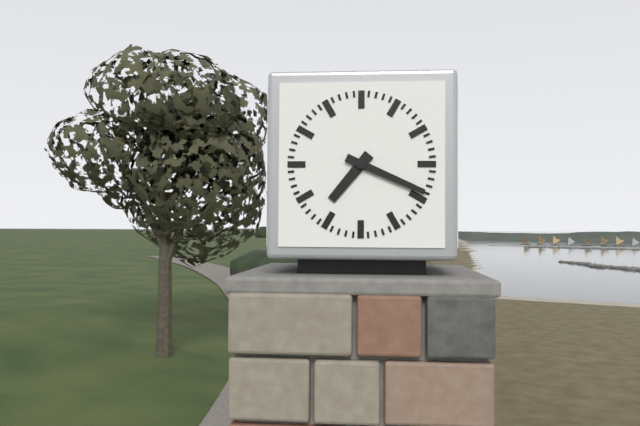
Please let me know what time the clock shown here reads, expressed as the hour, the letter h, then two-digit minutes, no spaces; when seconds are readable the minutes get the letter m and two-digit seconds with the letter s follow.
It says 7h19
